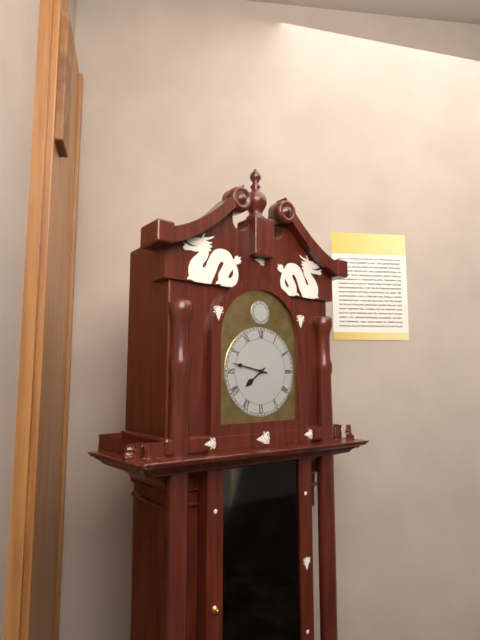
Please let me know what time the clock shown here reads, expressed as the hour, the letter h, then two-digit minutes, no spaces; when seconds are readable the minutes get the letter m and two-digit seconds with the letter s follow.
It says 7h47
